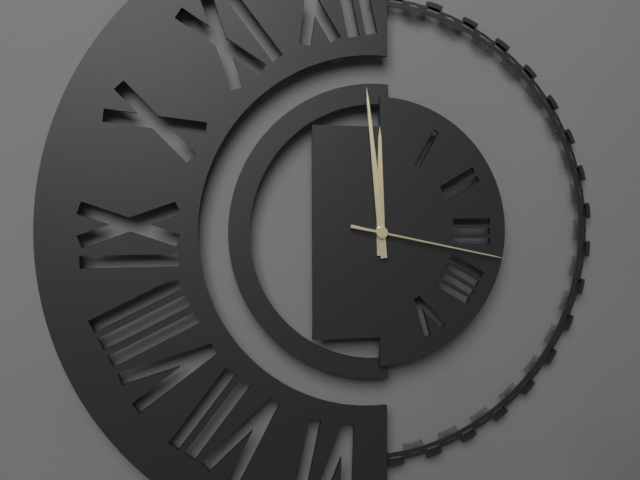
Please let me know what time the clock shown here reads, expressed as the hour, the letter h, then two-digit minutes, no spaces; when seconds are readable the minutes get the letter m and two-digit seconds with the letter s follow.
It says 11h59m17s
